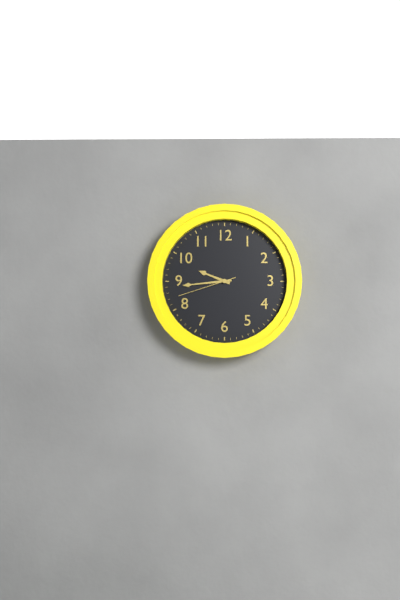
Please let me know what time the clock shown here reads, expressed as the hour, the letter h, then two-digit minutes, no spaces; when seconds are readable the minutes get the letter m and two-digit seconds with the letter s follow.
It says 9h44m42s
